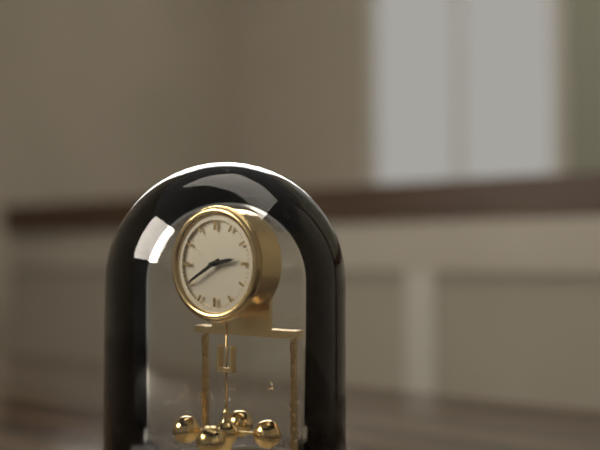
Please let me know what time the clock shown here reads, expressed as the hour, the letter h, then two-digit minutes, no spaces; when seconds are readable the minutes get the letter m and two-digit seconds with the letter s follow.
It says 2h40
